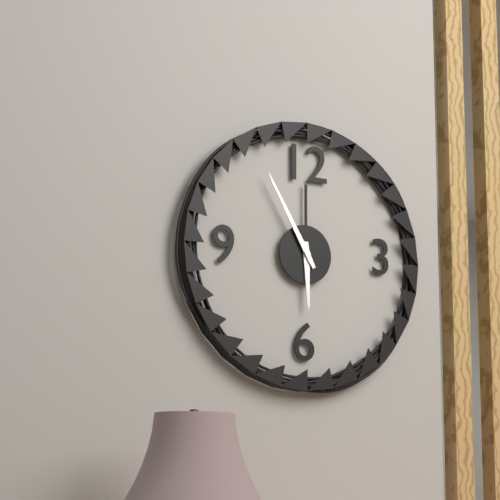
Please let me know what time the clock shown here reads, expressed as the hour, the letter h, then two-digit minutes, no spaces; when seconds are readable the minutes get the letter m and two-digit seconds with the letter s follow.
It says 5h55
